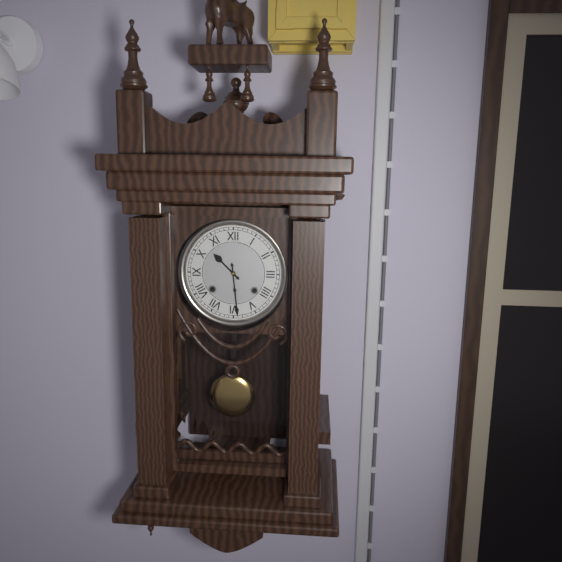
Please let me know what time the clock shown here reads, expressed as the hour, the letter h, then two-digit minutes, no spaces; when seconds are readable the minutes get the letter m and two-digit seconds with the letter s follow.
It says 10h29
